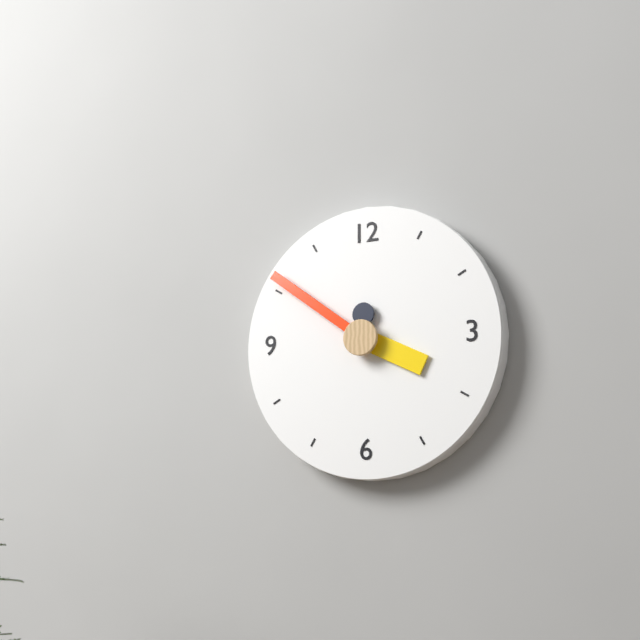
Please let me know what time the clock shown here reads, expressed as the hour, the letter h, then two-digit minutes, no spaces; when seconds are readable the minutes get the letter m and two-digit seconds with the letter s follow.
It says 3h51
